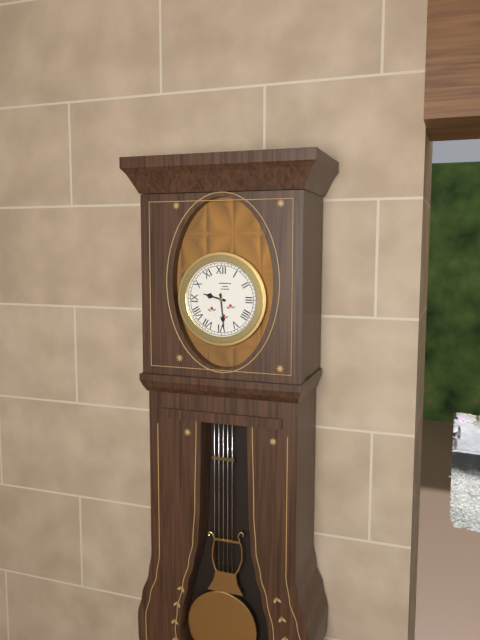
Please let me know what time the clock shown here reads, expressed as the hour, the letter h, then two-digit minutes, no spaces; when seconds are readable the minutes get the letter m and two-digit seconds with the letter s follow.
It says 9h29
